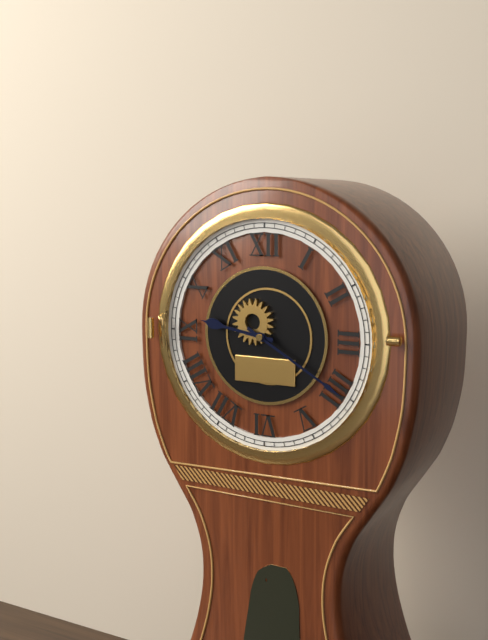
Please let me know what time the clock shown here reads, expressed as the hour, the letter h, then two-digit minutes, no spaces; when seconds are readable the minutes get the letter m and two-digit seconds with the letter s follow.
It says 9h20
